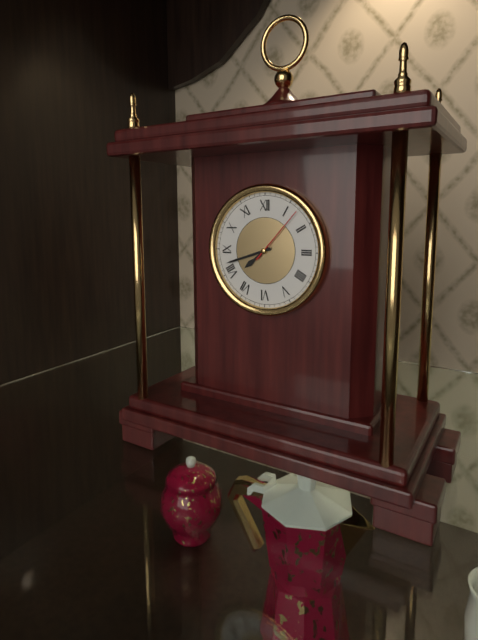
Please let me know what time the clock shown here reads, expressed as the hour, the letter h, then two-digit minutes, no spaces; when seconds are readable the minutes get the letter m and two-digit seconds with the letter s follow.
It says 7h42m07s
